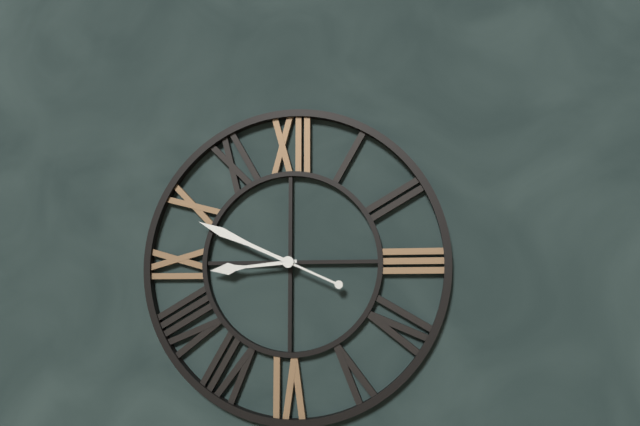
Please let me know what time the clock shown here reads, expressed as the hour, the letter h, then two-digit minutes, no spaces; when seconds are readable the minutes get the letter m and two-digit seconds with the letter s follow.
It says 8h49
